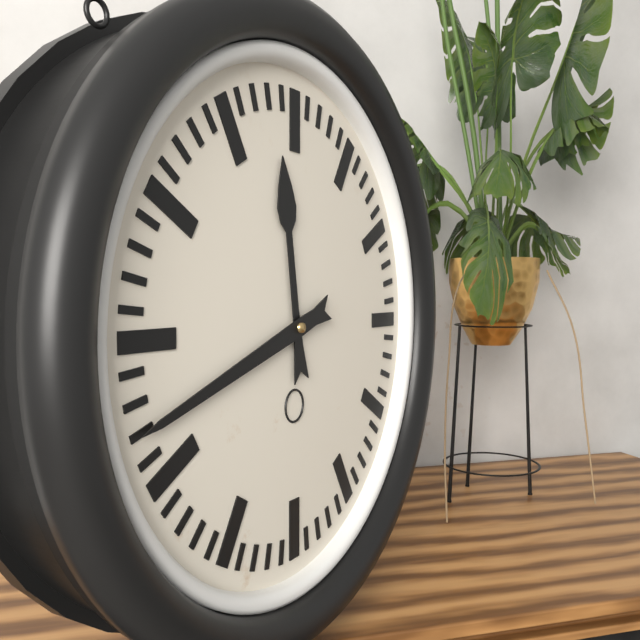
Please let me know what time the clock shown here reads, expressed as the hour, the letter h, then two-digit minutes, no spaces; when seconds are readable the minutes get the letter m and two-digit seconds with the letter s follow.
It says 11h42
